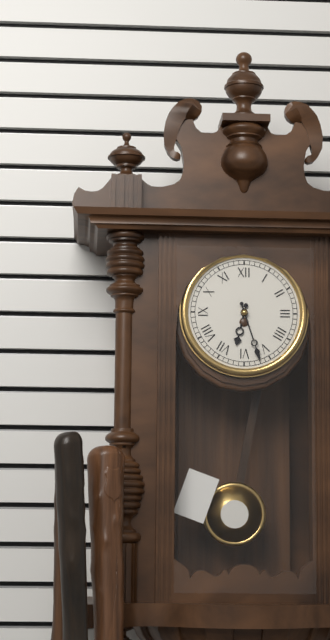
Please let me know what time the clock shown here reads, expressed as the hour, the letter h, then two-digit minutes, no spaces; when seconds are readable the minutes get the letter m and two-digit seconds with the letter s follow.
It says 6h27
